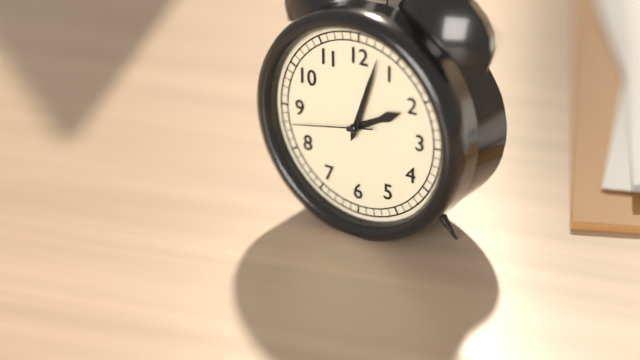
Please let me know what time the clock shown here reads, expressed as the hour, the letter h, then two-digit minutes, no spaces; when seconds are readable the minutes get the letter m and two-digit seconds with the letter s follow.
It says 2h03m43s
